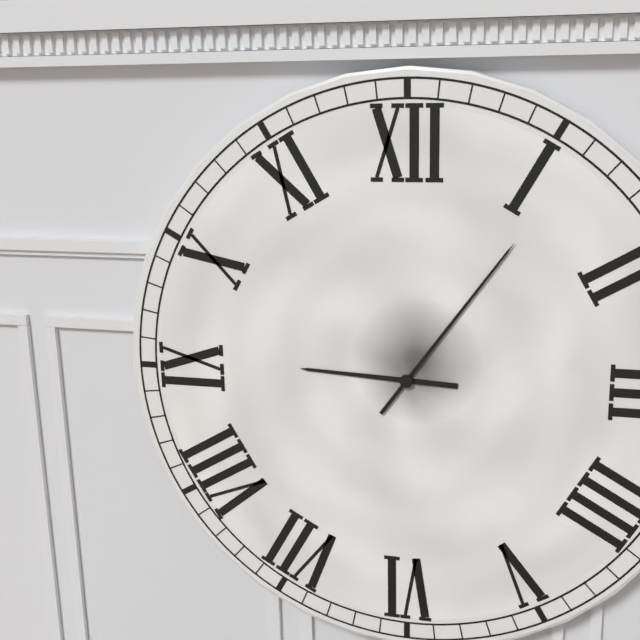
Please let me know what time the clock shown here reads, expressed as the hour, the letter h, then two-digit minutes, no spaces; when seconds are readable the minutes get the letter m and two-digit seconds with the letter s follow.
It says 9h06
